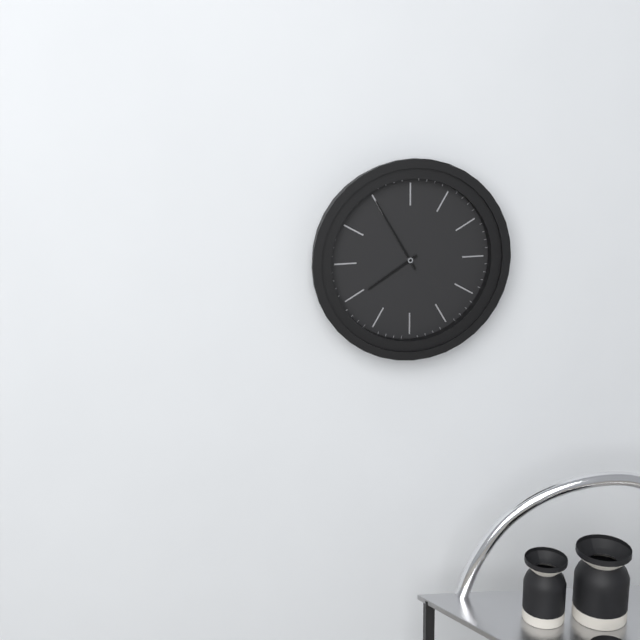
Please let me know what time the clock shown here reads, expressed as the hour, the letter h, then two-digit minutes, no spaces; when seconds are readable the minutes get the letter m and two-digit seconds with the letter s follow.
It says 7h55
